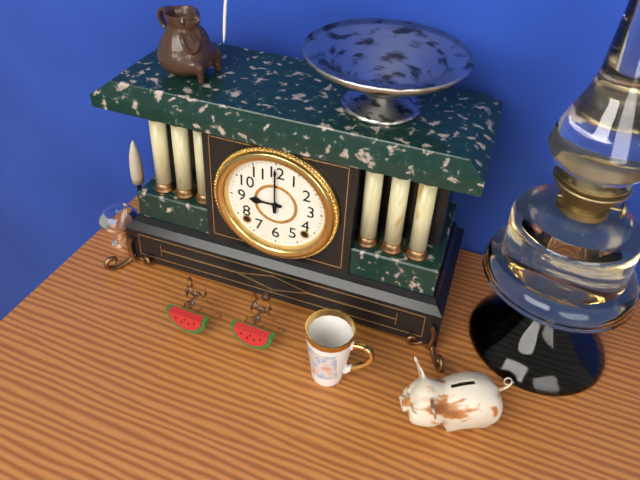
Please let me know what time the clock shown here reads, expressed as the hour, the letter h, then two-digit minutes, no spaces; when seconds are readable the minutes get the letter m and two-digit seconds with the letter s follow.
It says 9h00
